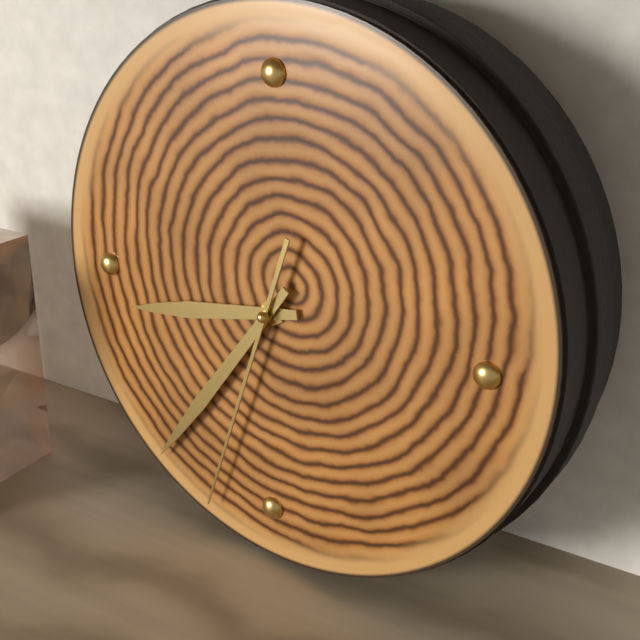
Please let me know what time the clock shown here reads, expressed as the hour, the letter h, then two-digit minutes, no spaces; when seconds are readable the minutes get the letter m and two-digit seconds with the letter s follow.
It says 8h36m33s
